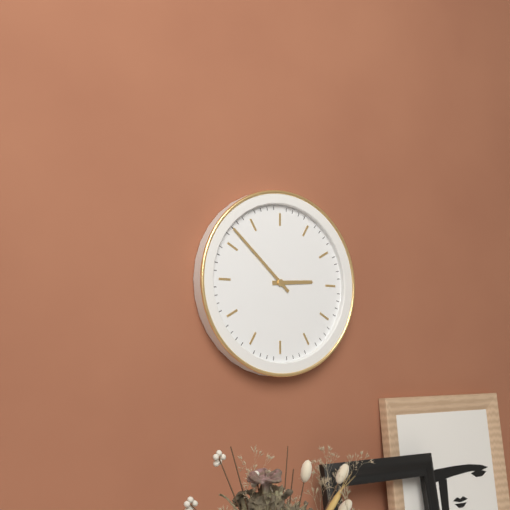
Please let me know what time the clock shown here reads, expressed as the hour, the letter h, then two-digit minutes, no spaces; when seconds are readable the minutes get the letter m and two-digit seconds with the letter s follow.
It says 2h52
